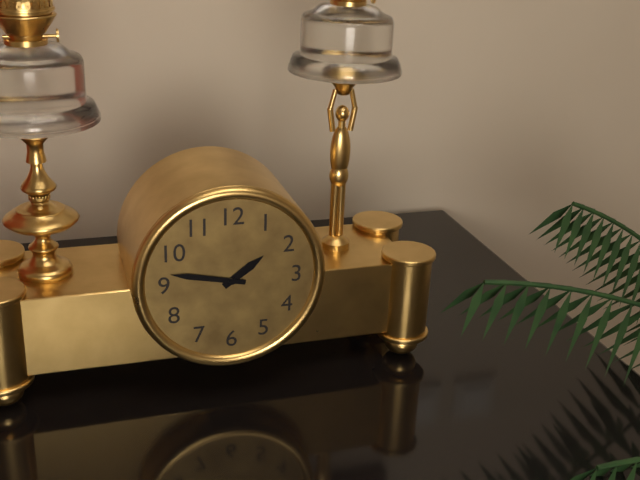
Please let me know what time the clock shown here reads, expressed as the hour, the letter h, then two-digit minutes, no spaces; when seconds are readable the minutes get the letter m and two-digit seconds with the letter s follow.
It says 1h47
